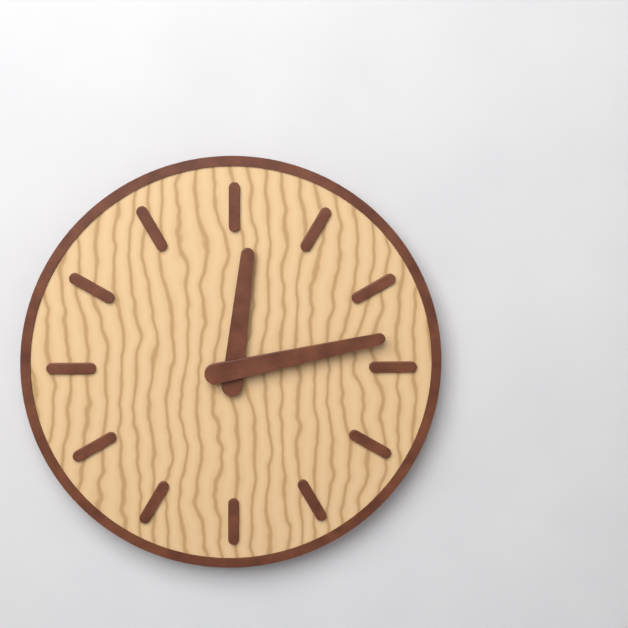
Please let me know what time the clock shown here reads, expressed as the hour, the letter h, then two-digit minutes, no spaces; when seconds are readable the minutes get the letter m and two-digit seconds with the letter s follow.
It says 12h13
